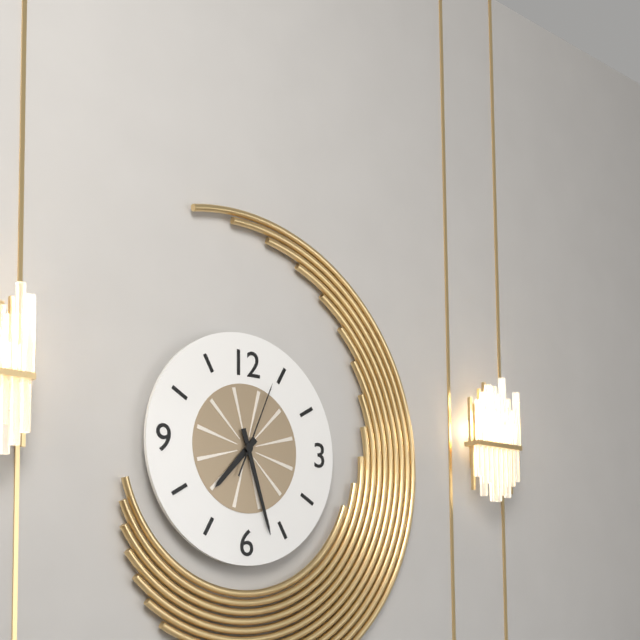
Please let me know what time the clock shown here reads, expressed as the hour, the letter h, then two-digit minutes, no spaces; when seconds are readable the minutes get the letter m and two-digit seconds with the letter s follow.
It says 7h27m04s
